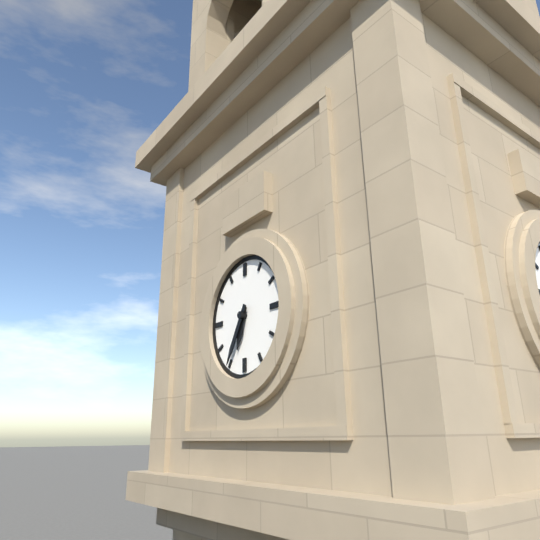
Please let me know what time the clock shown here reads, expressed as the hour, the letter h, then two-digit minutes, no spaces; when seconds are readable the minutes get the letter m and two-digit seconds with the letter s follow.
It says 6h35
